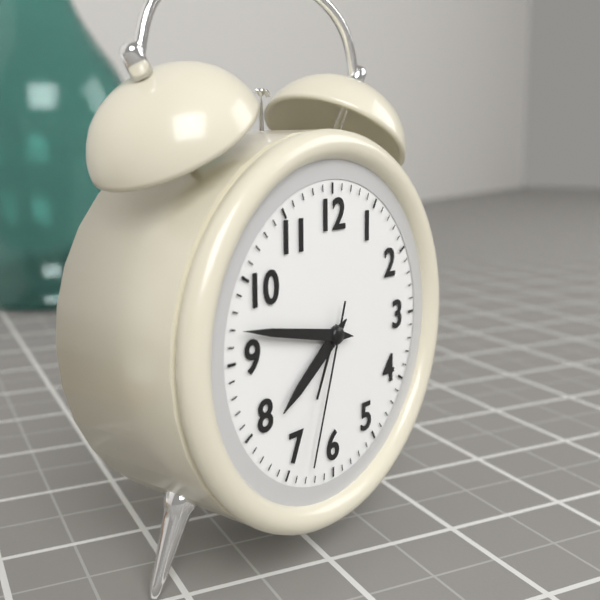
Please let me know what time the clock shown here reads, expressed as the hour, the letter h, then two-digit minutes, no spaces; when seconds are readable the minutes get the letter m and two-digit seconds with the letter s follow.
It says 7h47m33s
